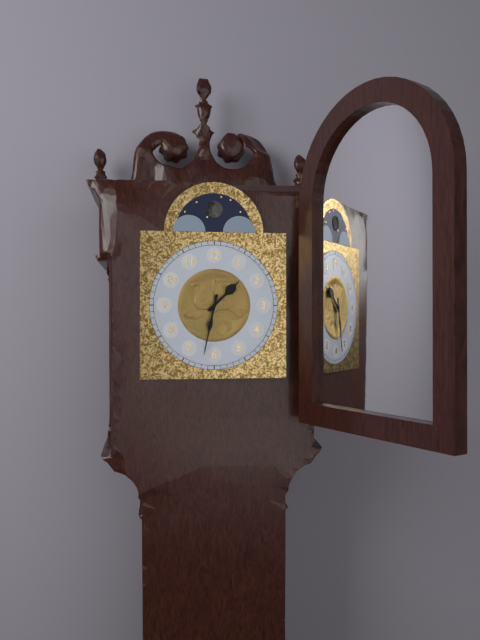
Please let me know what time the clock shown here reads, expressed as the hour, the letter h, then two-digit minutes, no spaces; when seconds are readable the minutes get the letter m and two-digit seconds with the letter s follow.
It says 1h32
